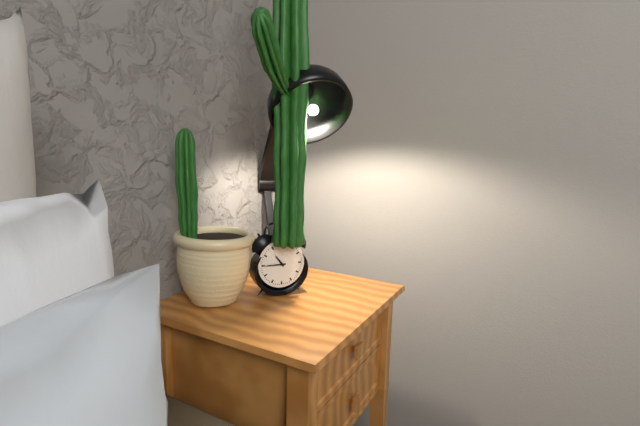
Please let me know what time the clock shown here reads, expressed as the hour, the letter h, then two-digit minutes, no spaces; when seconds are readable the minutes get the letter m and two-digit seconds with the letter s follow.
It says 10h45
